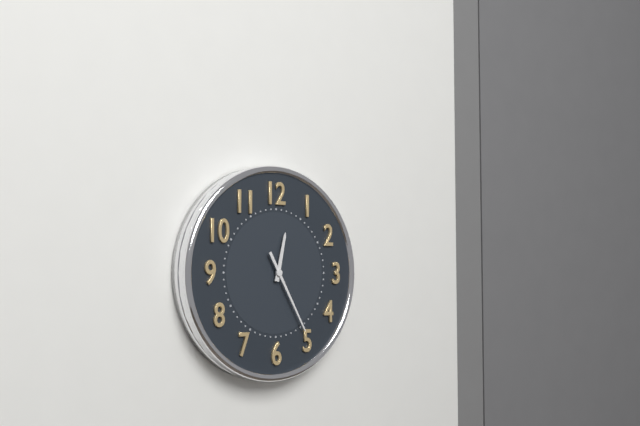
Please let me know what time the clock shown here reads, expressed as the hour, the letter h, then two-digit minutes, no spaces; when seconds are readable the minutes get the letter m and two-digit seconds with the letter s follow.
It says 12h25
